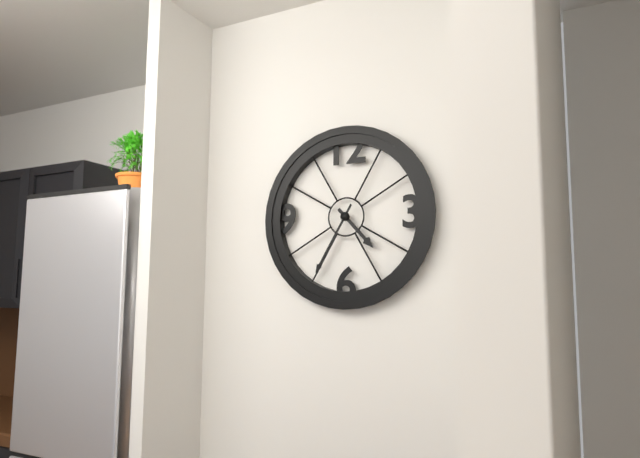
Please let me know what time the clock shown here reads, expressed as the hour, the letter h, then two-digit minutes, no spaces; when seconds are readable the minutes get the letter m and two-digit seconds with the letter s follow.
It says 4h35
